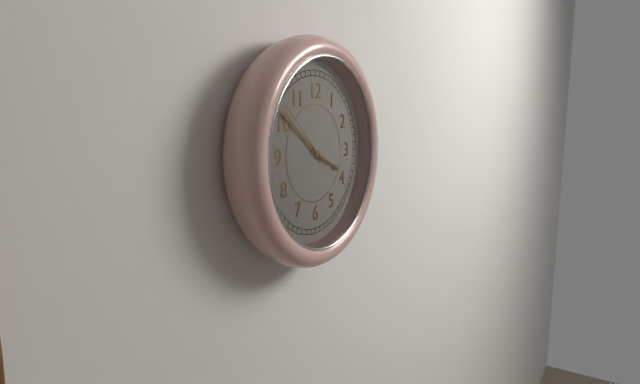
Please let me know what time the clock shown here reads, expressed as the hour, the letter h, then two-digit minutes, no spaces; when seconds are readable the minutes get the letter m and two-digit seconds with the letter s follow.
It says 3h51m52s
